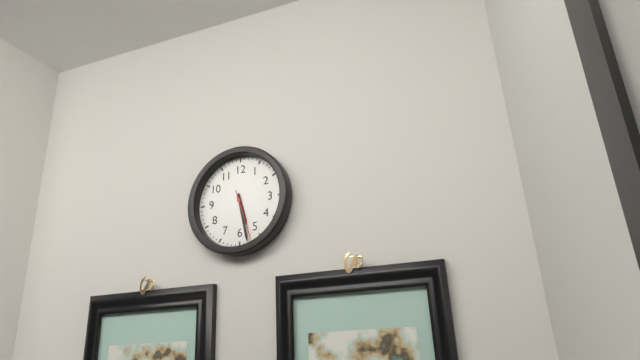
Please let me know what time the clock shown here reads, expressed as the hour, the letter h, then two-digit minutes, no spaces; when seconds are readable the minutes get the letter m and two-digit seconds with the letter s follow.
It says 5h28m27s
